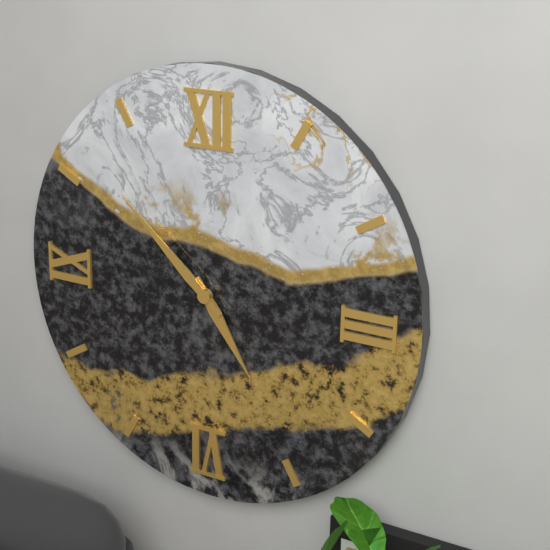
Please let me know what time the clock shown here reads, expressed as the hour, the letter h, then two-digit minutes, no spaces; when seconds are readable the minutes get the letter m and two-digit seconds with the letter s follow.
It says 4h52
